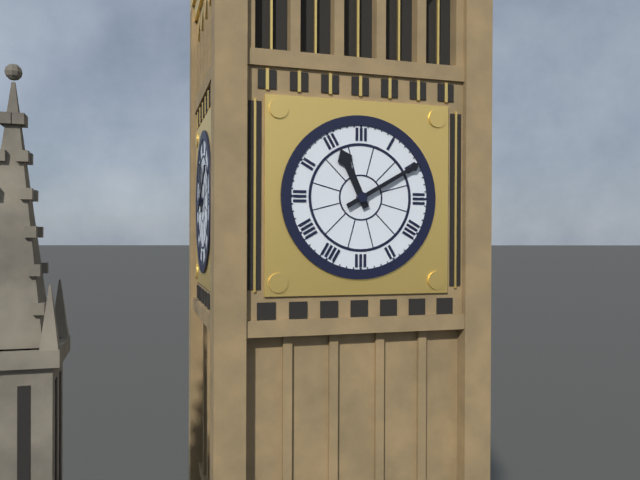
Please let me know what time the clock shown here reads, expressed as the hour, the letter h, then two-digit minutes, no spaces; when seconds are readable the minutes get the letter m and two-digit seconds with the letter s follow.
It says 11h10
